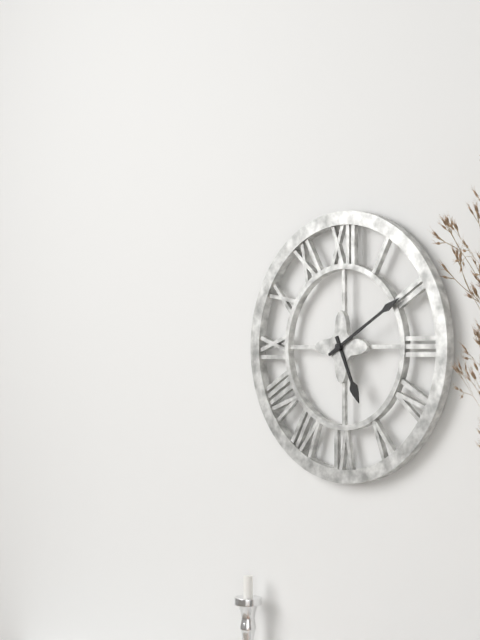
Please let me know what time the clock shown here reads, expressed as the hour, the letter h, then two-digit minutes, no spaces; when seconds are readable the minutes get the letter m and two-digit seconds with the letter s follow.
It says 5h10
